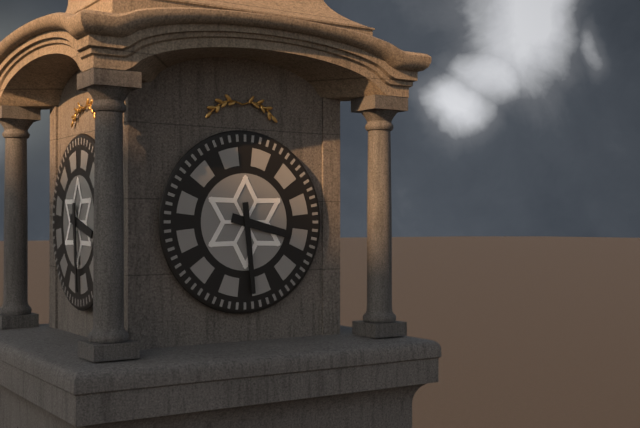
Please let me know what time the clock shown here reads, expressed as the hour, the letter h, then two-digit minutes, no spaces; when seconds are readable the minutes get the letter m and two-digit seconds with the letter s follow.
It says 3h29
